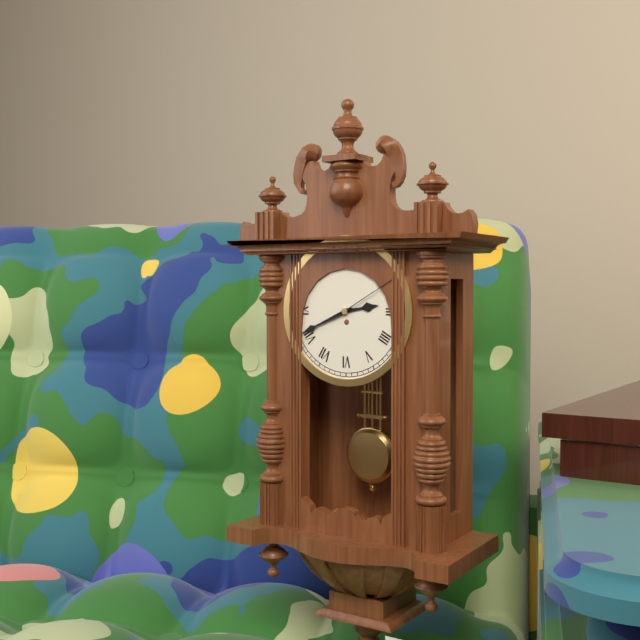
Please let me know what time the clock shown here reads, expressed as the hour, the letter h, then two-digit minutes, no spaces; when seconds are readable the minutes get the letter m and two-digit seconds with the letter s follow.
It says 2h41m10s
